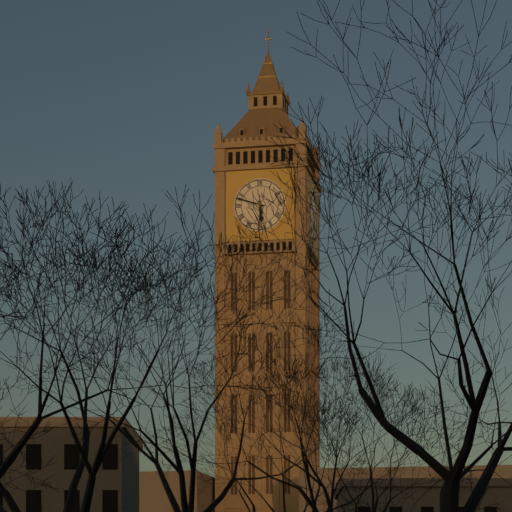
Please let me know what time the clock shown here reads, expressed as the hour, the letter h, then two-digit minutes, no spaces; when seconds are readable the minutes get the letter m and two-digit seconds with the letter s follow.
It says 5h48
